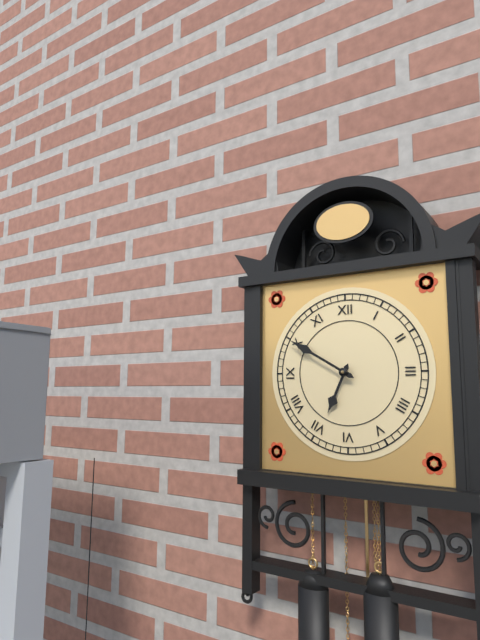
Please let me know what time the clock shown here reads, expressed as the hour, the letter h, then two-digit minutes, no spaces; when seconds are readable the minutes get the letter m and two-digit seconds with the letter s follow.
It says 6h50
